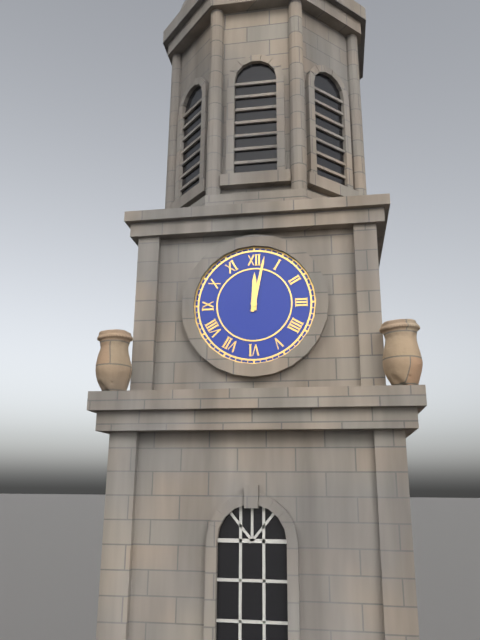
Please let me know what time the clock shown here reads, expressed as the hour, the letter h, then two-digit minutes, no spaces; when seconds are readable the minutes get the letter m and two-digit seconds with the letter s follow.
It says 12h02
